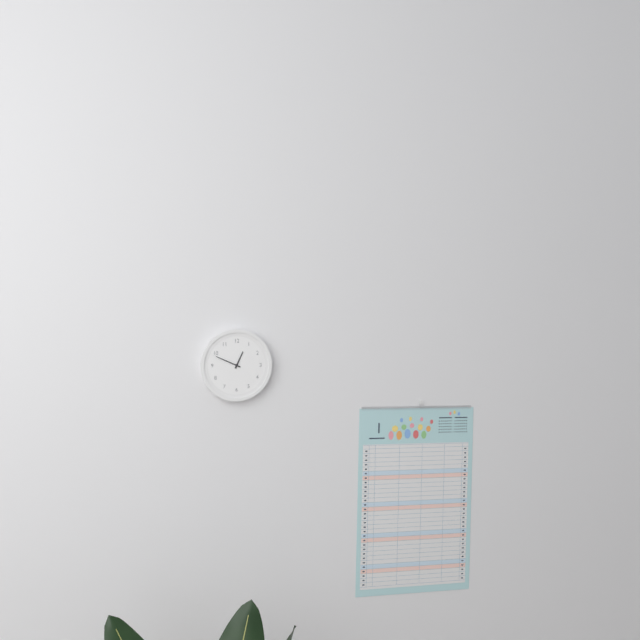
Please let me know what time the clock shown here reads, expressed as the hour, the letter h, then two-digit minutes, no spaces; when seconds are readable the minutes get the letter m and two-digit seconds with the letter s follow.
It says 12h49
